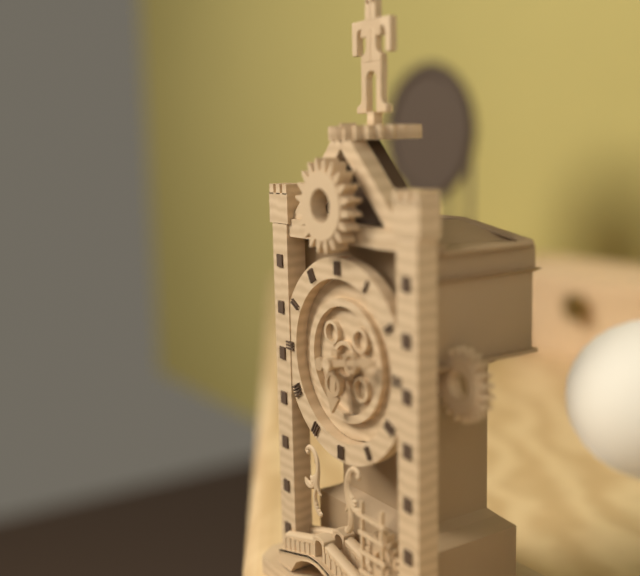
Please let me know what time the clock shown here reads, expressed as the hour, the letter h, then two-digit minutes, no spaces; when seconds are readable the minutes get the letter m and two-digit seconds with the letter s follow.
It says 6h13
